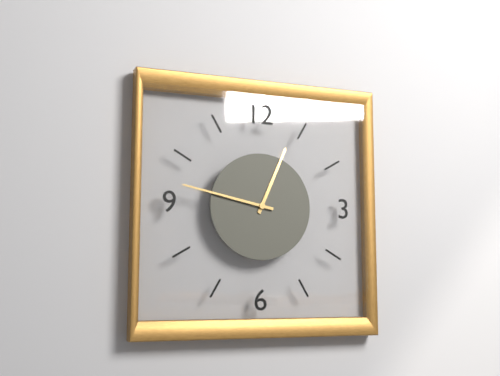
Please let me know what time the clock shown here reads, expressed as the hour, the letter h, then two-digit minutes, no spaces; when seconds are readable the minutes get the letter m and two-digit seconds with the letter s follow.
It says 12h47
